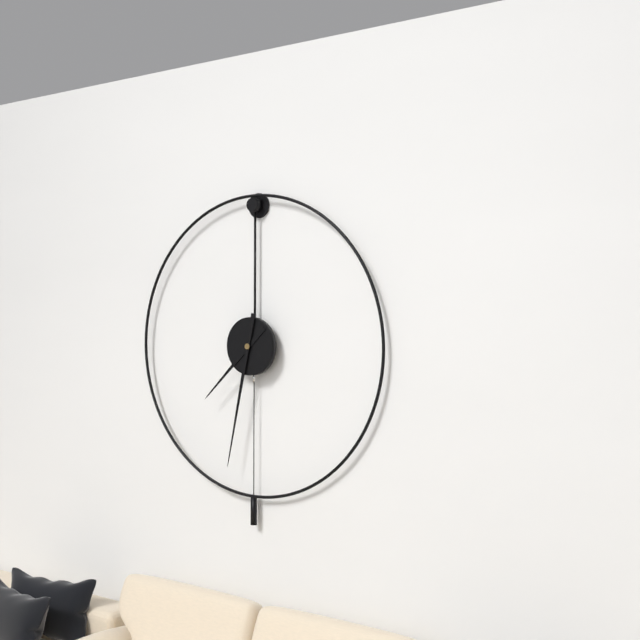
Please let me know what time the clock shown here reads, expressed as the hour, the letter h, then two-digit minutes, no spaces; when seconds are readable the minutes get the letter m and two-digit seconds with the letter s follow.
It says 7h32
